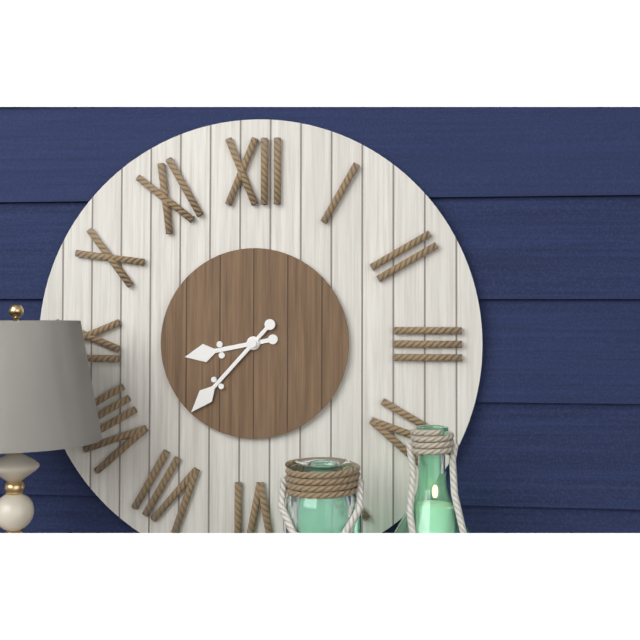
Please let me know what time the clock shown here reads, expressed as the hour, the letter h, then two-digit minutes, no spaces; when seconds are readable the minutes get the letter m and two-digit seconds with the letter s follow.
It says 8h37
